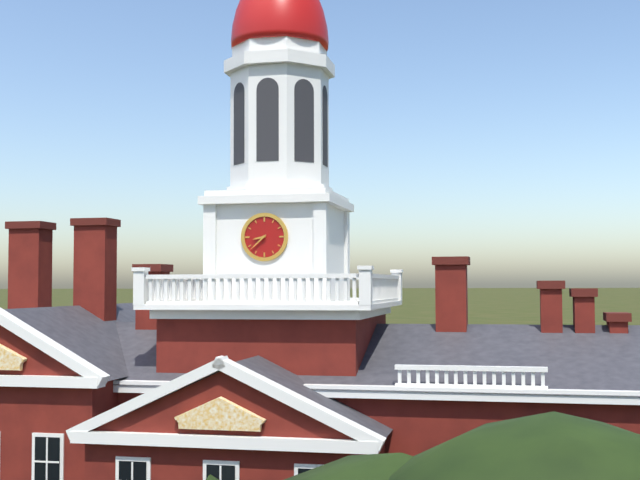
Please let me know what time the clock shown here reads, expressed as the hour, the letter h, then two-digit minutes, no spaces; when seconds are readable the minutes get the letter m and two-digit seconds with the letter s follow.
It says 8h38
